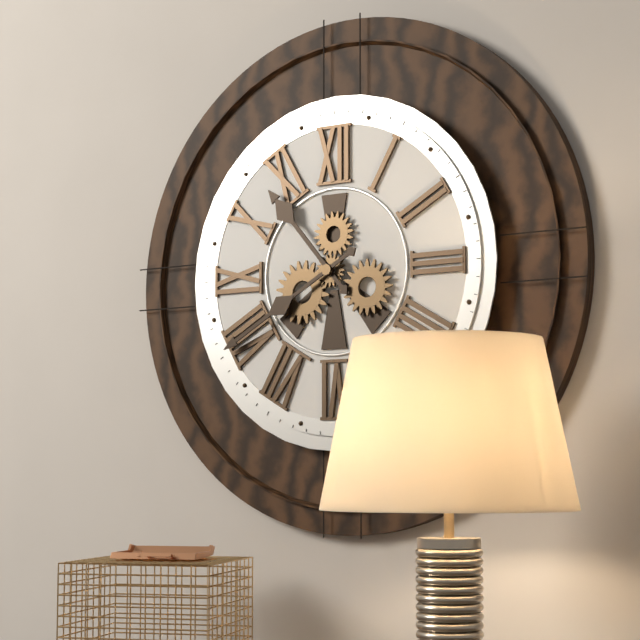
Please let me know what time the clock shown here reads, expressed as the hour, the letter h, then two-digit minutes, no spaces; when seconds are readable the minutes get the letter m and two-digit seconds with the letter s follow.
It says 10h40
